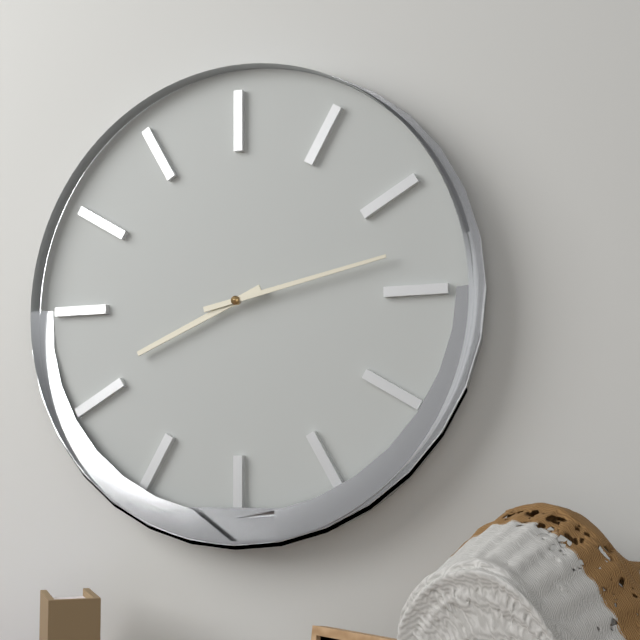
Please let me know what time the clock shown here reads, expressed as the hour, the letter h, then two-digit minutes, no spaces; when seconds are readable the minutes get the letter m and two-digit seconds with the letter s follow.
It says 8h13
